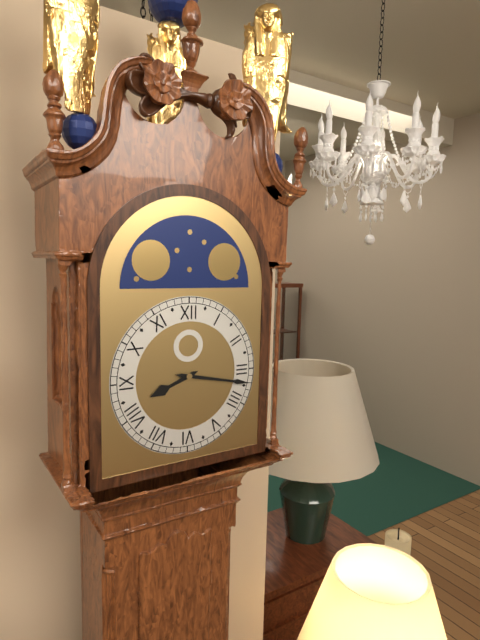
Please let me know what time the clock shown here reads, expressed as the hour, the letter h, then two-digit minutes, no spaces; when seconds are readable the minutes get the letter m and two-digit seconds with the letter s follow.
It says 8h17
